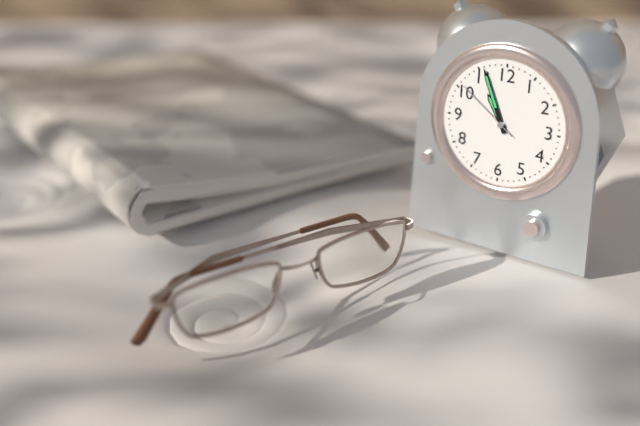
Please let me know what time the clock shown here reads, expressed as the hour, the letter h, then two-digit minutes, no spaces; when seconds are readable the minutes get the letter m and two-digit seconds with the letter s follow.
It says 10h56m51s
